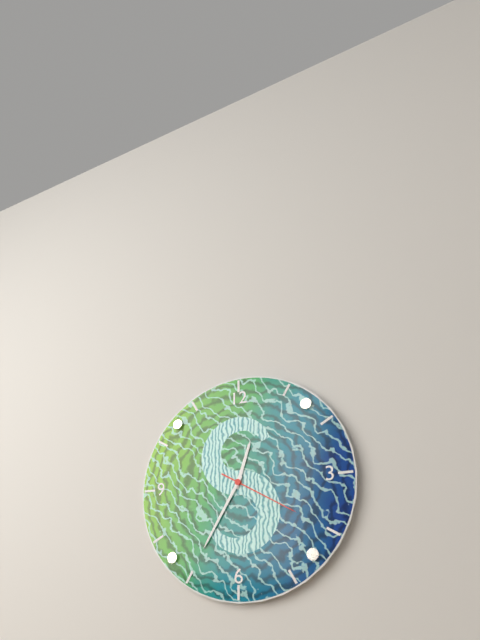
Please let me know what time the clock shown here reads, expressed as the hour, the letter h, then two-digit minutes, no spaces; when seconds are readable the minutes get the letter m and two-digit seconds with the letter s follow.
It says 12h35m20s
